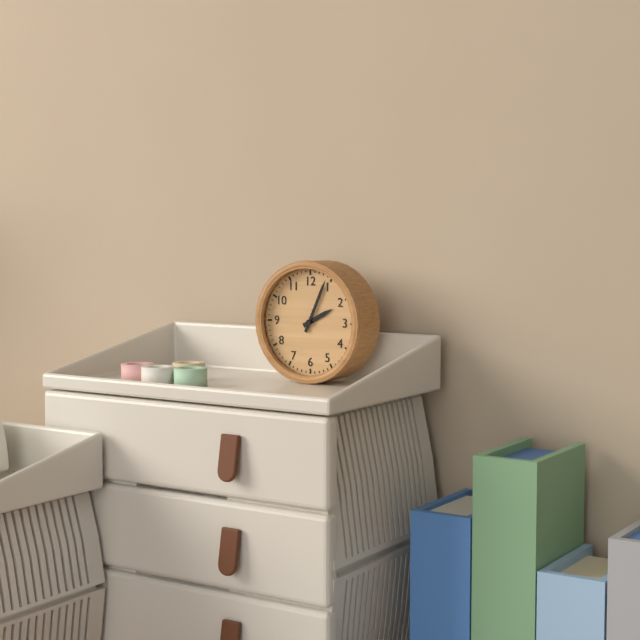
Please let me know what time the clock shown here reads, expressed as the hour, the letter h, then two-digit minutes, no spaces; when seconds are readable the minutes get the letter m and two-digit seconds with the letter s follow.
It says 2h04
